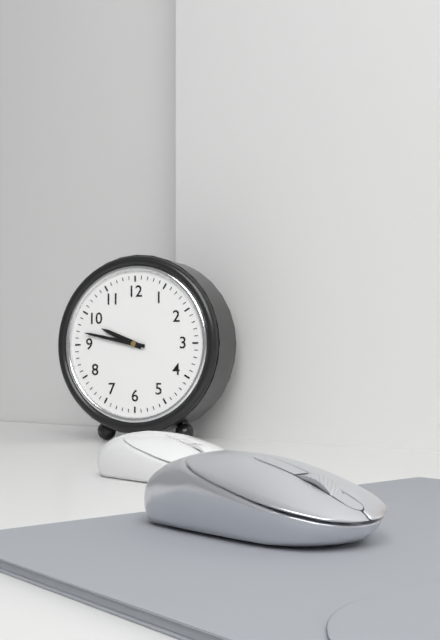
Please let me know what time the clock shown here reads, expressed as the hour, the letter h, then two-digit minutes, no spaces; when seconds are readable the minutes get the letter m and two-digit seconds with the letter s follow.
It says 9h47
